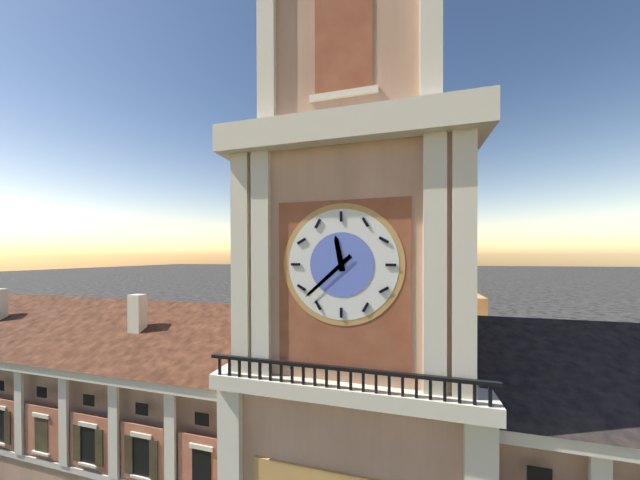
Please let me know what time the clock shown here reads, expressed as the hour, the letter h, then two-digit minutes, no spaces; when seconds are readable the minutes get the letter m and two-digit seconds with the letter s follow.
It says 11h38
